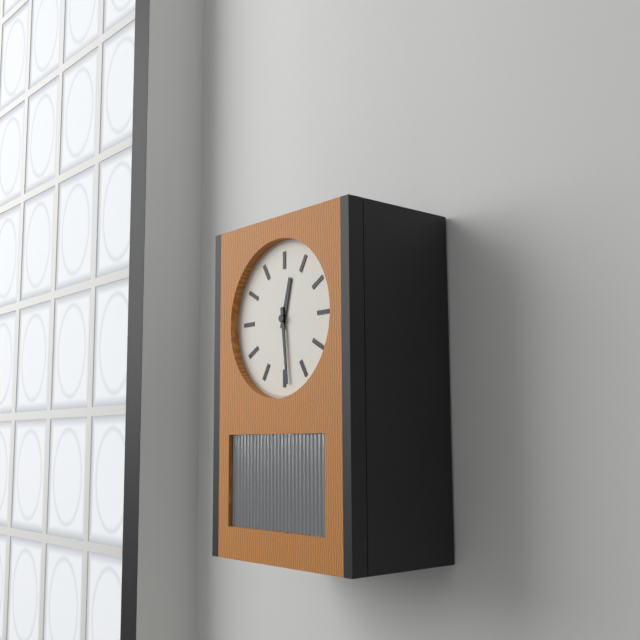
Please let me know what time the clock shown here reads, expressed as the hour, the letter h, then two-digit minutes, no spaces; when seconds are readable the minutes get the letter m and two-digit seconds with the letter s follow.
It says 12h29
